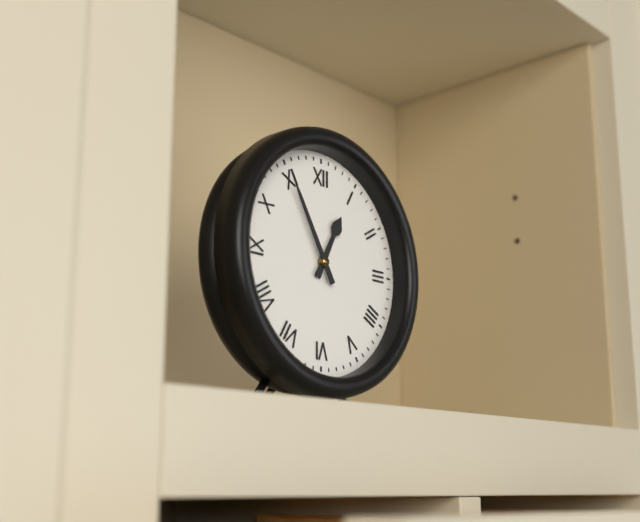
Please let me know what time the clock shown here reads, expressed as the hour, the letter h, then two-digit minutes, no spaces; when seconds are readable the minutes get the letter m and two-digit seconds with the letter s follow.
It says 12h55
